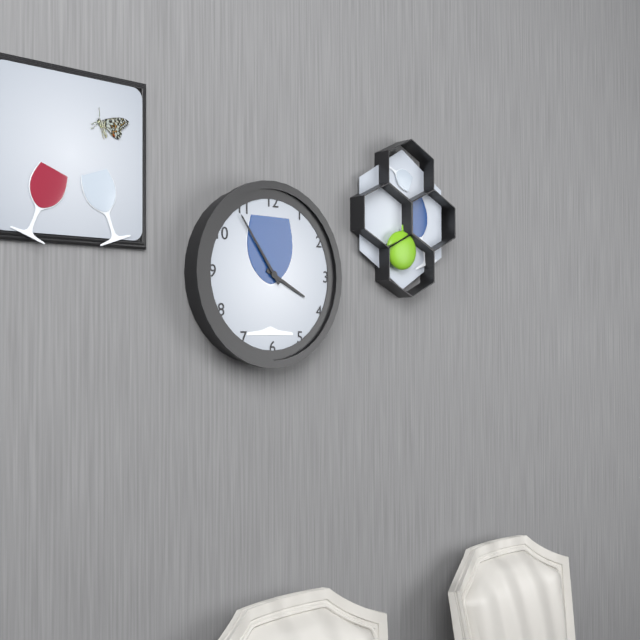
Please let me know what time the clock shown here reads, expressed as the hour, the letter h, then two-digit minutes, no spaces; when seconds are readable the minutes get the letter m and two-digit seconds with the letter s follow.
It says 3h54
